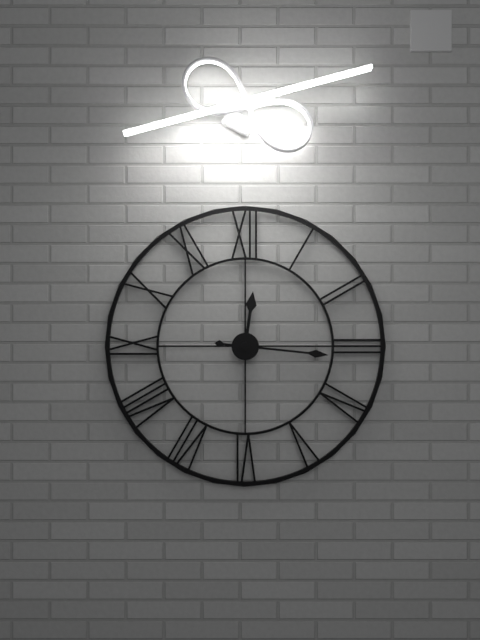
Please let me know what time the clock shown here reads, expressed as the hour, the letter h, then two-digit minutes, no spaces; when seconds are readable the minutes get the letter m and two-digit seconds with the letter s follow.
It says 12h16
